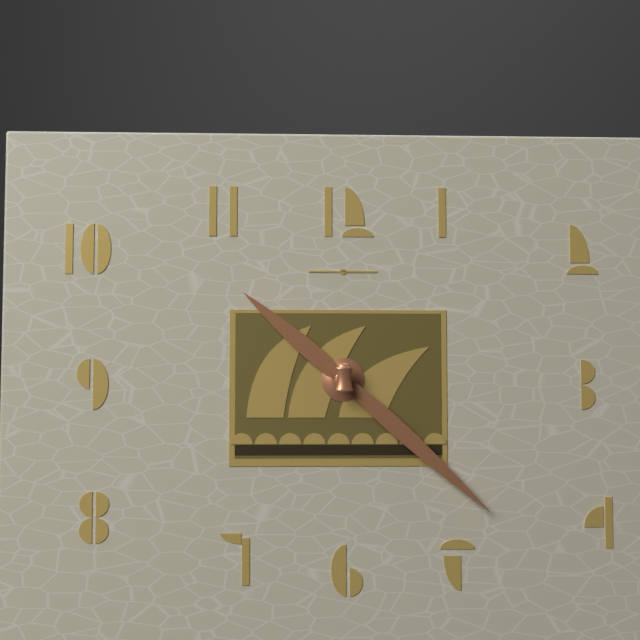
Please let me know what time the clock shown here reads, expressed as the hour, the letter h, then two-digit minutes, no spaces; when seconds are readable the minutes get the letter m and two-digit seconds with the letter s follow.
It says 10h22
